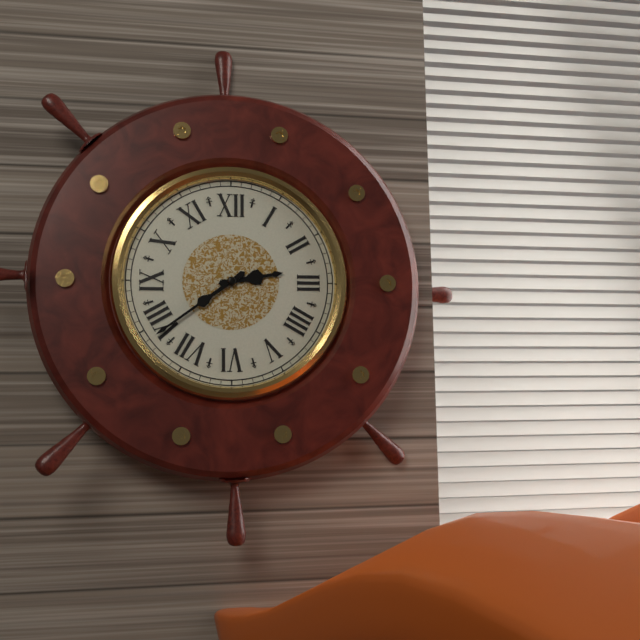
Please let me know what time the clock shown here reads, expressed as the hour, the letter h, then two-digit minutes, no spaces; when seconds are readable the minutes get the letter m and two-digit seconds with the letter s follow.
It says 2h39
